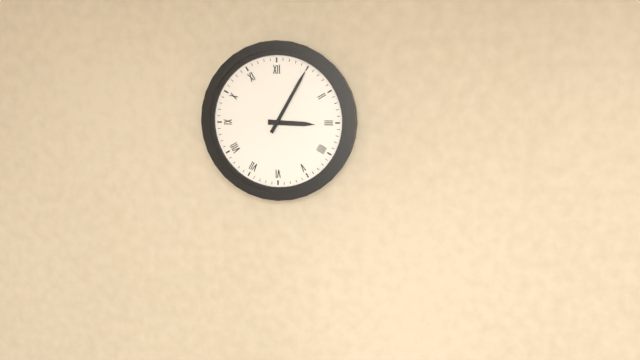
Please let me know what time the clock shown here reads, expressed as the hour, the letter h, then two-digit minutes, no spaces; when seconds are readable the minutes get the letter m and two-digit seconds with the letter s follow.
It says 3h05
